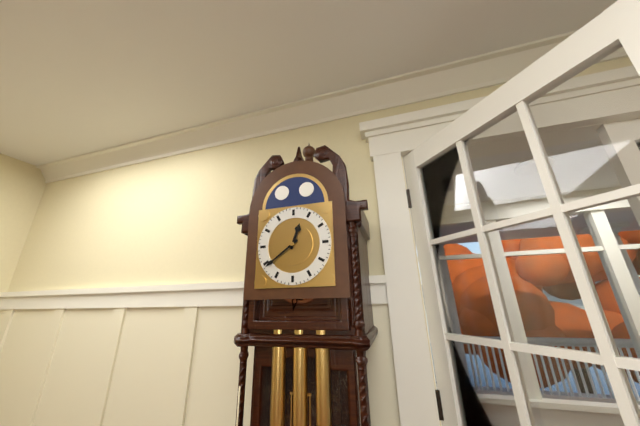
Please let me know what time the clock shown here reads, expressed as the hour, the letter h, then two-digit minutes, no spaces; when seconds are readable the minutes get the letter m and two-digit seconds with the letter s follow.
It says 12h39
